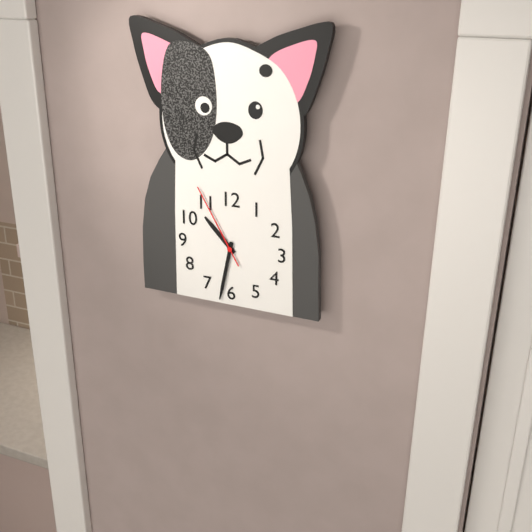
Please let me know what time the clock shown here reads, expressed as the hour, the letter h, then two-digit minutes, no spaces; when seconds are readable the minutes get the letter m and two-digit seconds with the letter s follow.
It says 10h32m55s
